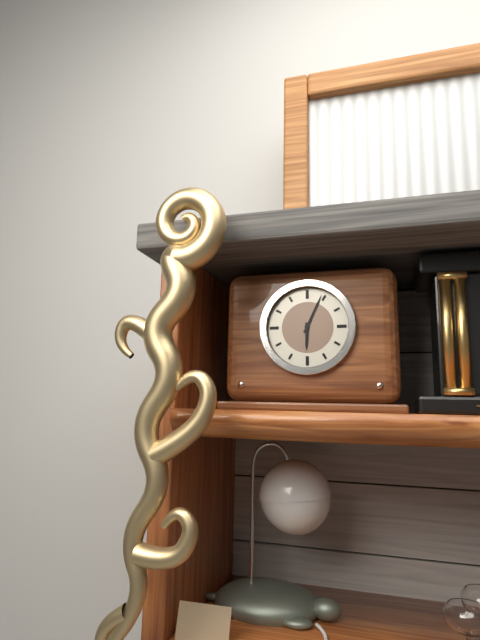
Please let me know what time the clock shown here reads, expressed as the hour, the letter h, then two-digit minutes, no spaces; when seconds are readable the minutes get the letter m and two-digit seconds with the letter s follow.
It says 6h04
